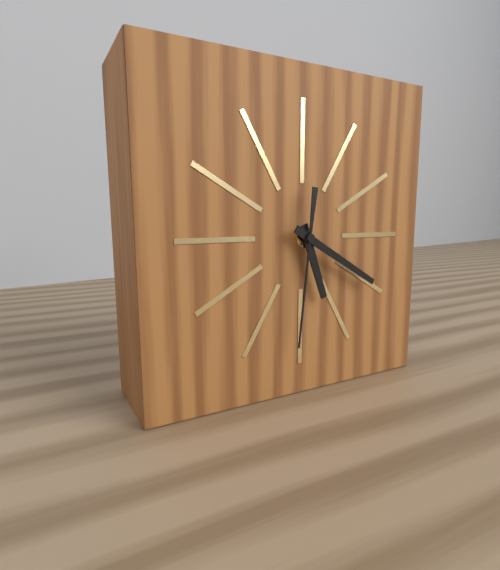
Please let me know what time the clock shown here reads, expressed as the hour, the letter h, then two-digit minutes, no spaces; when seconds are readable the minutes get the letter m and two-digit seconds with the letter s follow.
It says 5h20m31s
